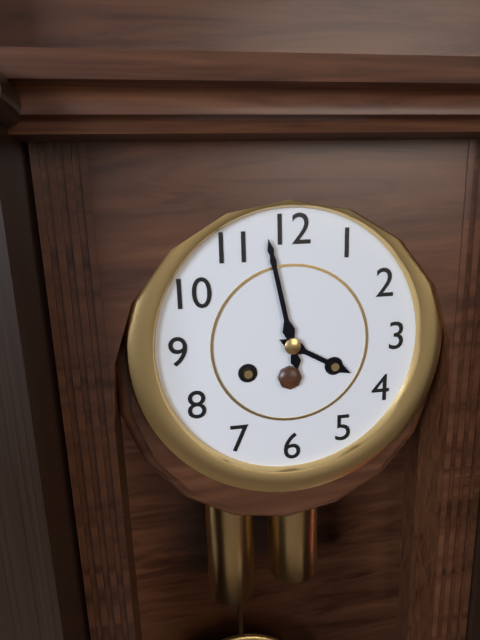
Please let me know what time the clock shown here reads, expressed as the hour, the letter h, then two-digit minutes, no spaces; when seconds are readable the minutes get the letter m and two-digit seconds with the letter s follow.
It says 3h58
